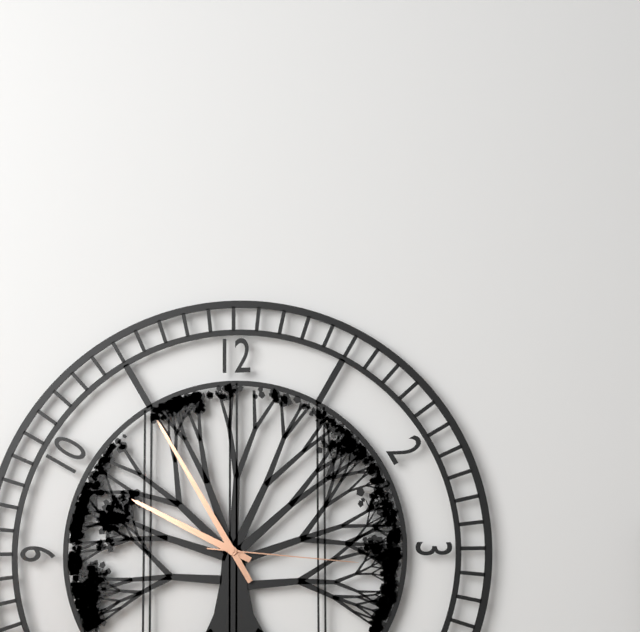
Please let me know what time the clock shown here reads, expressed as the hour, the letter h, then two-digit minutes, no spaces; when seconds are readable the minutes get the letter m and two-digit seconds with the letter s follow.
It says 9h55m16s
